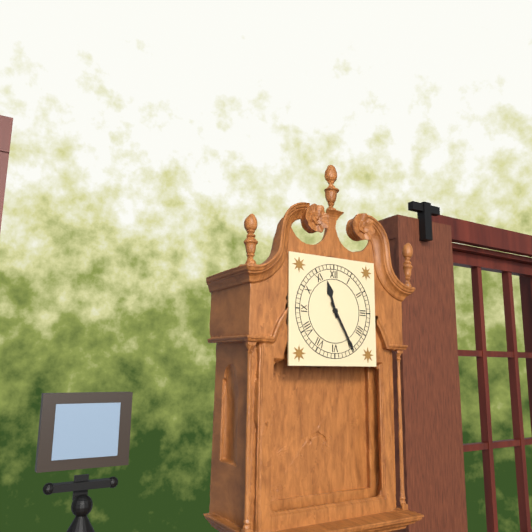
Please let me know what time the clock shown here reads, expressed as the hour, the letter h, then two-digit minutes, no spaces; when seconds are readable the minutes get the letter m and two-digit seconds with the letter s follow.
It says 11h25
